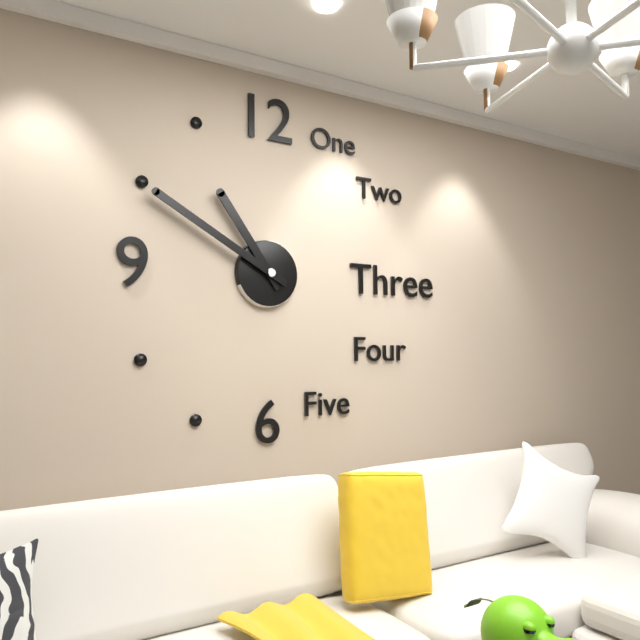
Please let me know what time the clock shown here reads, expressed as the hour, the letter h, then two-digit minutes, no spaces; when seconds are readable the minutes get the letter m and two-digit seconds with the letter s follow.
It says 10h50
